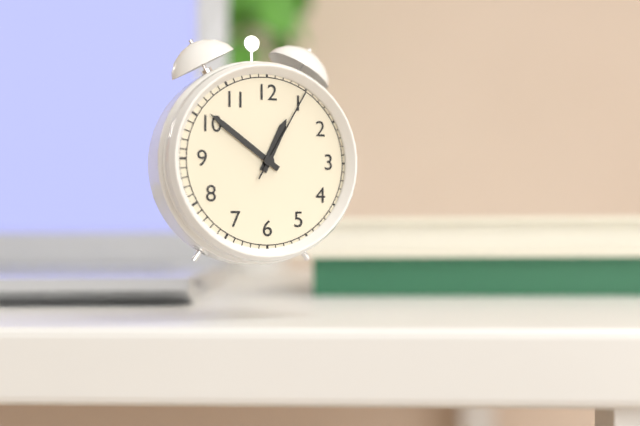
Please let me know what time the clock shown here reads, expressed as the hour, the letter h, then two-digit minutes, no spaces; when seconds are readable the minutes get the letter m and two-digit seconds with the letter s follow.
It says 12h51m05s
